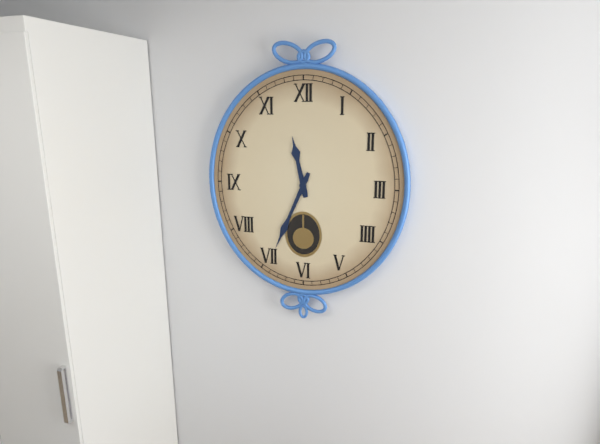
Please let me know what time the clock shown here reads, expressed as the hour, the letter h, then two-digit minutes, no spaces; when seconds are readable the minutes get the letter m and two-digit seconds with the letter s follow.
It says 11h34
